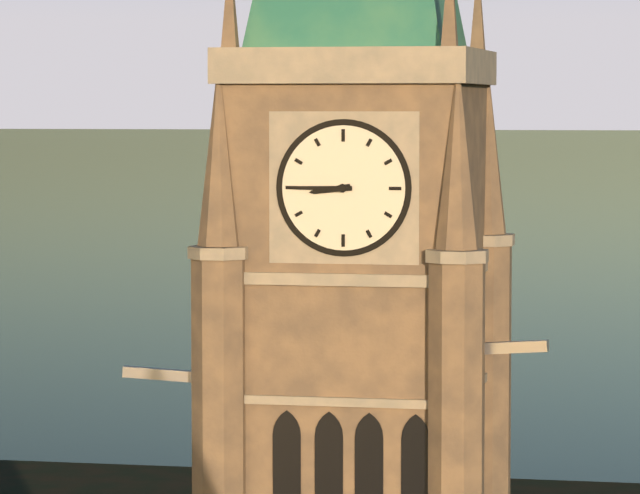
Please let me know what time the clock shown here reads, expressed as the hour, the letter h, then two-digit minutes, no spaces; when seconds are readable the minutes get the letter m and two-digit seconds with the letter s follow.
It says 8h45
